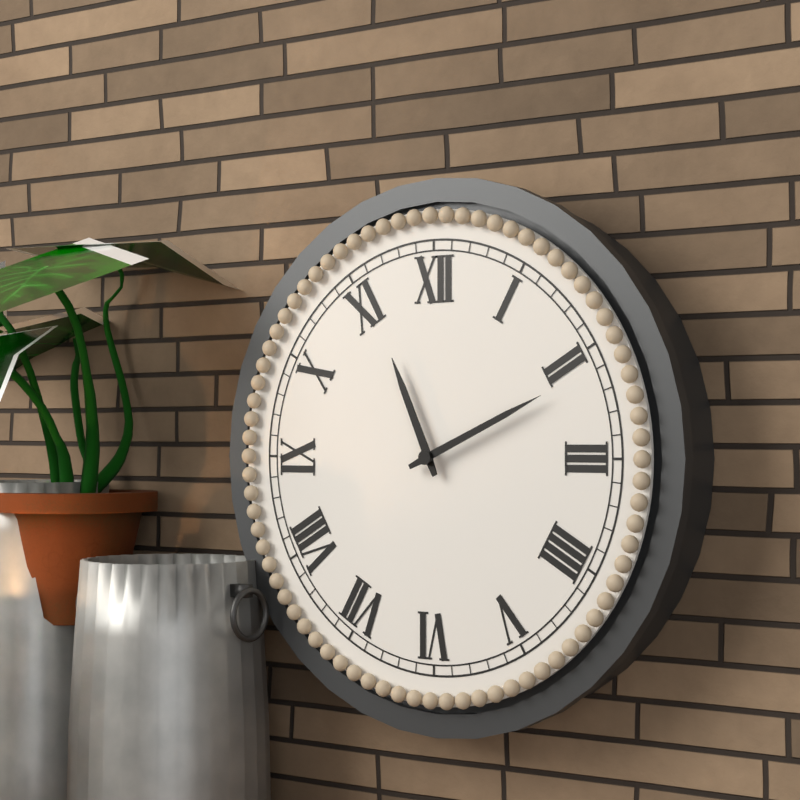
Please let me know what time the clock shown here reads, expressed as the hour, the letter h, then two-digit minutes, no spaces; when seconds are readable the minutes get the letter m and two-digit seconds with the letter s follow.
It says 11h11
